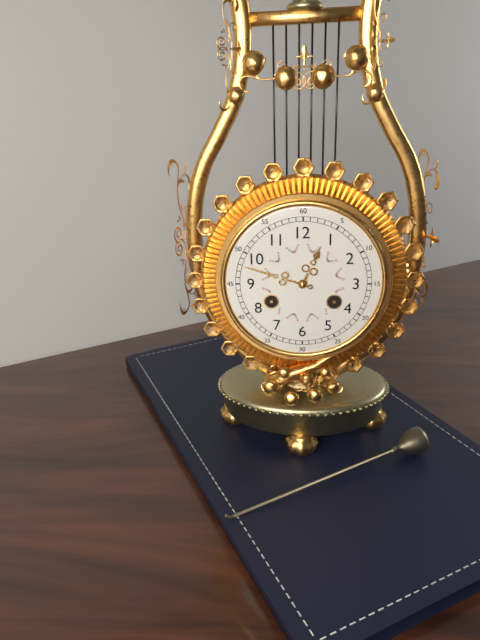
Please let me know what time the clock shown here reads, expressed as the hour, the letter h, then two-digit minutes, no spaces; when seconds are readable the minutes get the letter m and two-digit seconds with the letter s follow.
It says 12h48
